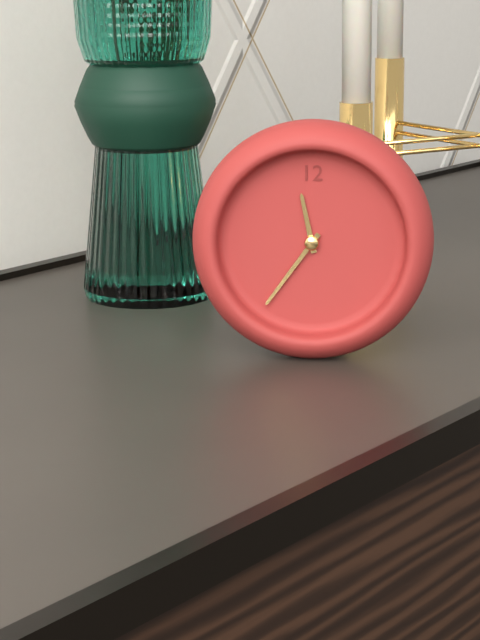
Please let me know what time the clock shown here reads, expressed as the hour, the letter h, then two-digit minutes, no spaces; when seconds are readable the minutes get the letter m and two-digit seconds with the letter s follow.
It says 11h36
